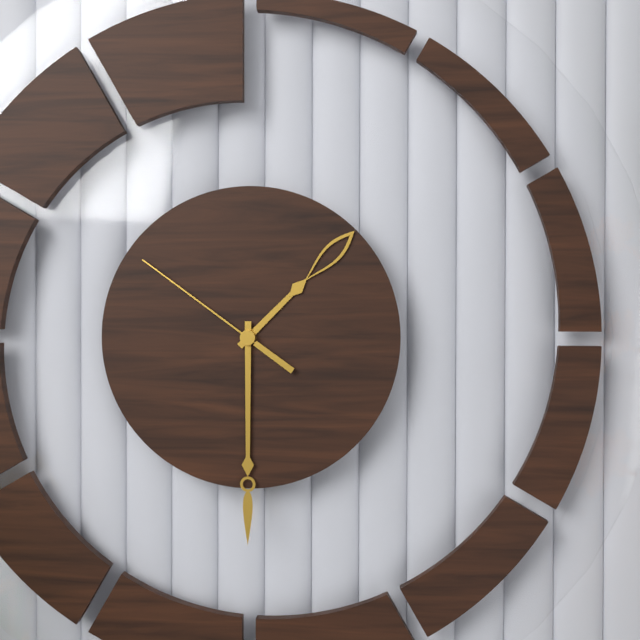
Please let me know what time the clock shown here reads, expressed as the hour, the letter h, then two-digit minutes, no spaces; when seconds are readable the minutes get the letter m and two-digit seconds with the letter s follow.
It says 1h30m51s
